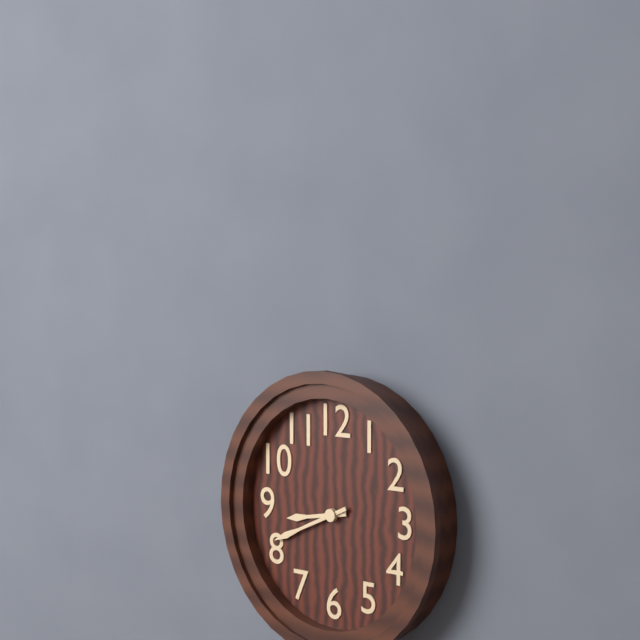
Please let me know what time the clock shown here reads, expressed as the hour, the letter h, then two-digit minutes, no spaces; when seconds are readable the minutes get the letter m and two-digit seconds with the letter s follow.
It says 8h41
